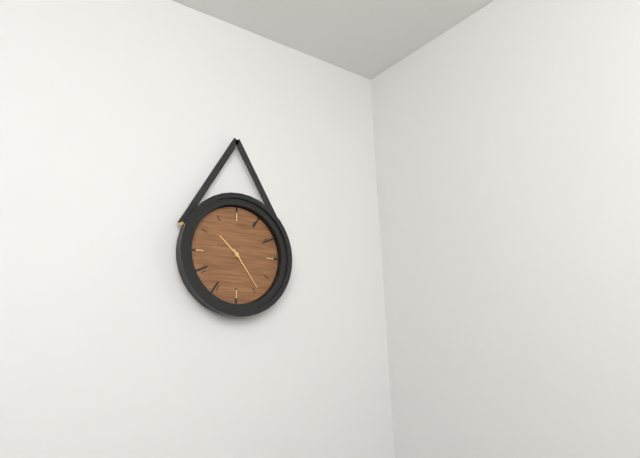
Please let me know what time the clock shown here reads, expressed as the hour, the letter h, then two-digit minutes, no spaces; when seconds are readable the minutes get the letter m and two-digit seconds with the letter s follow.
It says 10h24
